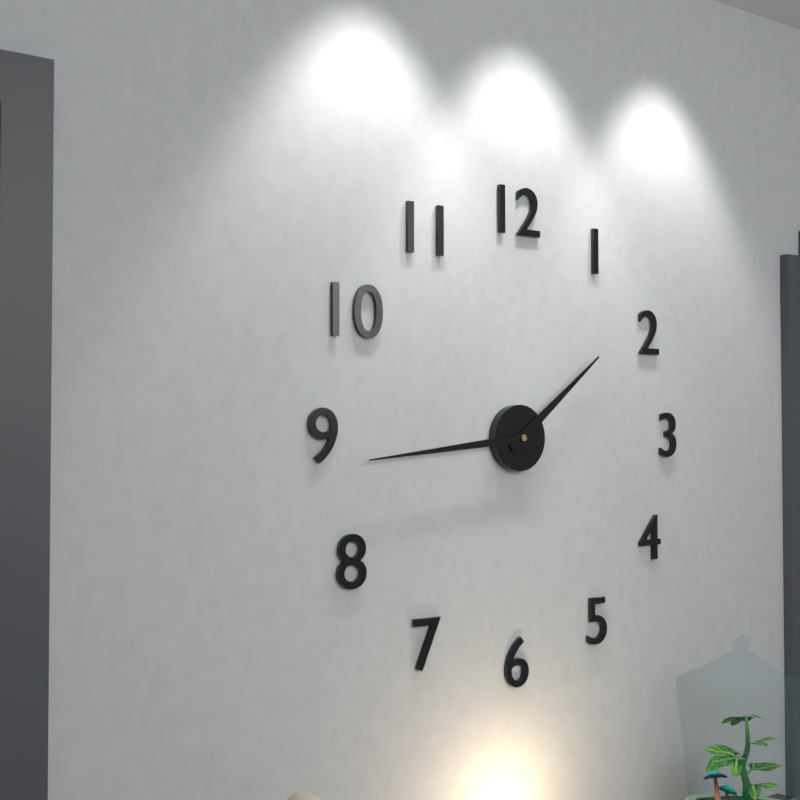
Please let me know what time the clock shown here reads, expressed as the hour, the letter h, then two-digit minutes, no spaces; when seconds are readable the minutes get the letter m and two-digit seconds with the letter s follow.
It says 1h44
